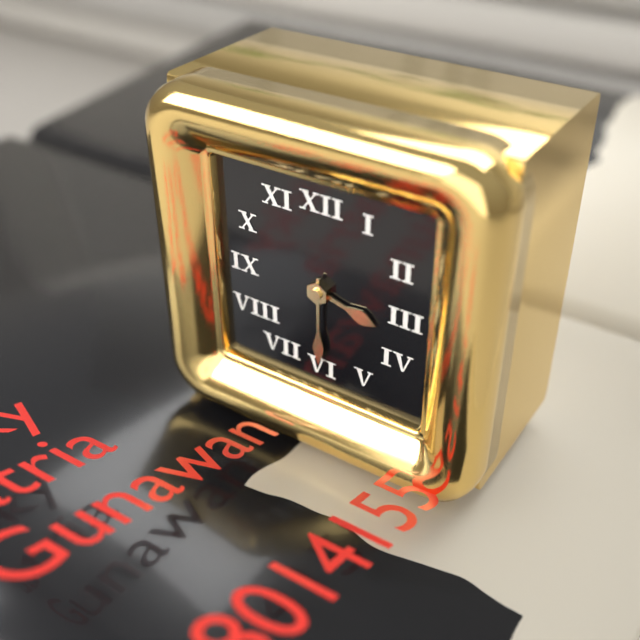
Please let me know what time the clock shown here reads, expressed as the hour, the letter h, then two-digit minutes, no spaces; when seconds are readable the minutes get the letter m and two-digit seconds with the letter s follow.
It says 3h30
